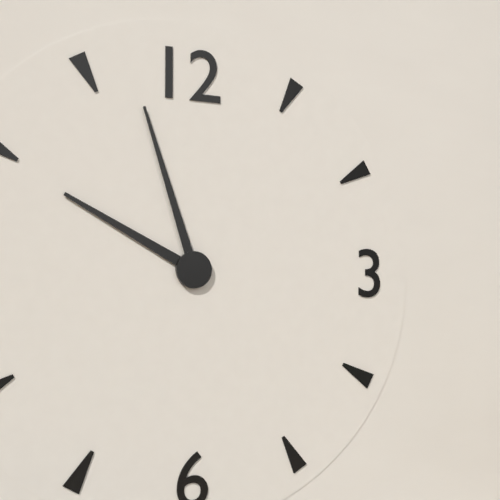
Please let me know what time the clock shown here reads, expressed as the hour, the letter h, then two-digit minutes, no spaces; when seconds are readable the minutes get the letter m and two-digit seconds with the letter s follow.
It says 9h57
